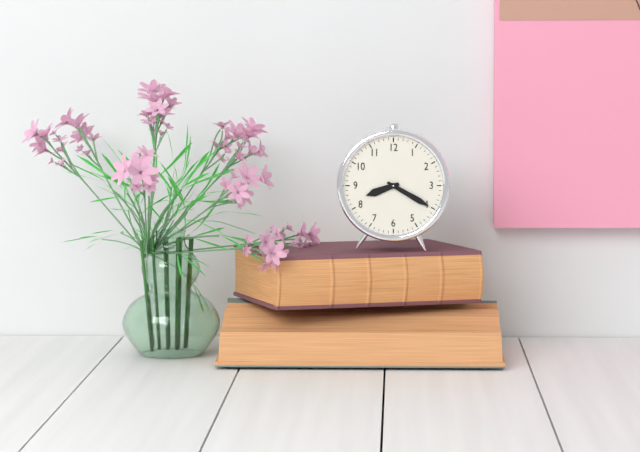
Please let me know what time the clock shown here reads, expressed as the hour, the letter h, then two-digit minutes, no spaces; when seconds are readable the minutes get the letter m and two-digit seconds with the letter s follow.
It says 8h20
